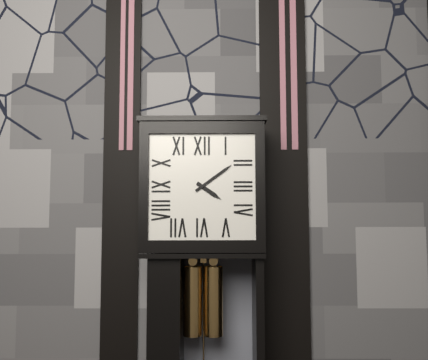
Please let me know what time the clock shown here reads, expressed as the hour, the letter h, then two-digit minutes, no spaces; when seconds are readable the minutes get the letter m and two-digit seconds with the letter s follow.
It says 4h09
